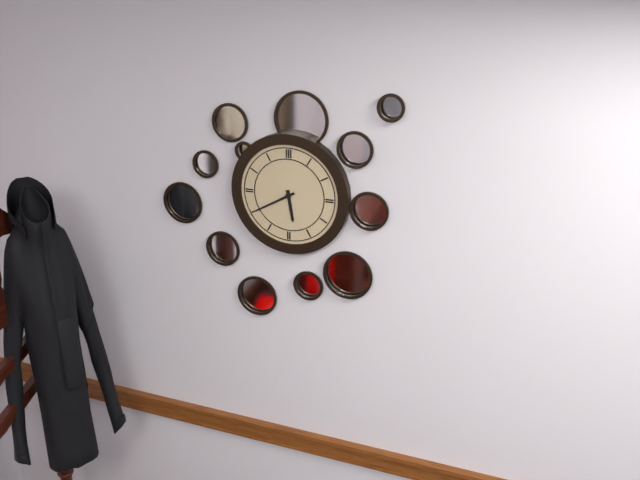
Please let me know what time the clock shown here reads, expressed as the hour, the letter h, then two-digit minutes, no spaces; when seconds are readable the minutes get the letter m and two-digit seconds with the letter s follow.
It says 5h40
